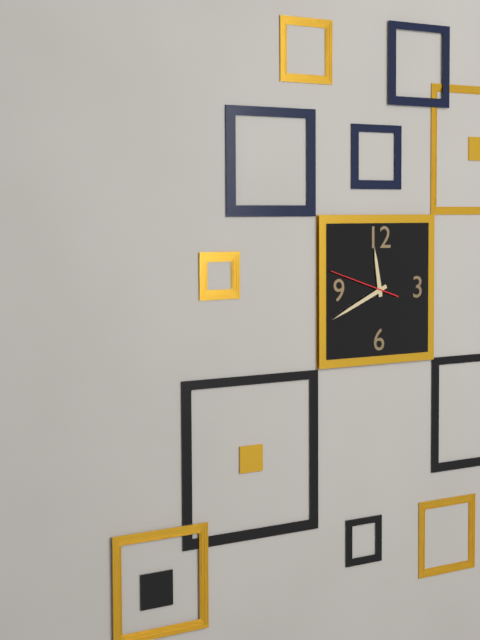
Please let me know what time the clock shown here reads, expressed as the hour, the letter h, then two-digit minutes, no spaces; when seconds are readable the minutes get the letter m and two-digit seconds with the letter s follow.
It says 11h41m48s
